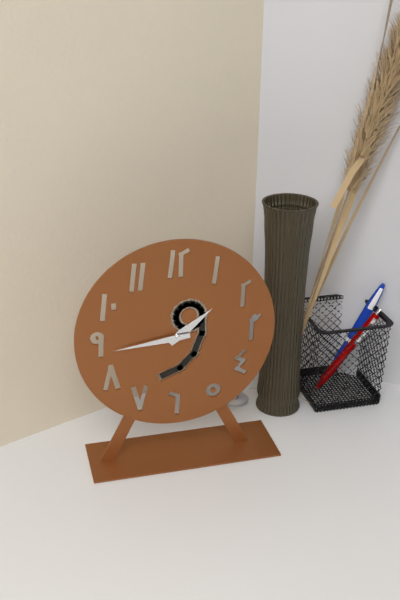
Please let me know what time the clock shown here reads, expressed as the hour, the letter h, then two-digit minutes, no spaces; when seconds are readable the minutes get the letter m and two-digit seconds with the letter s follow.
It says 1h44
